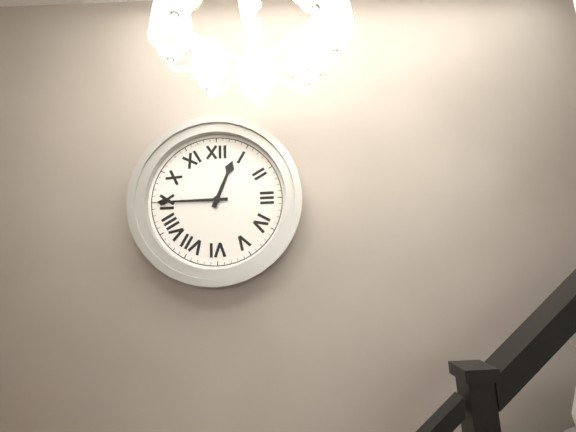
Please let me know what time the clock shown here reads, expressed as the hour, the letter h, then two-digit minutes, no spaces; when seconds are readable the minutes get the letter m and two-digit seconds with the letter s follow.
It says 12h45
